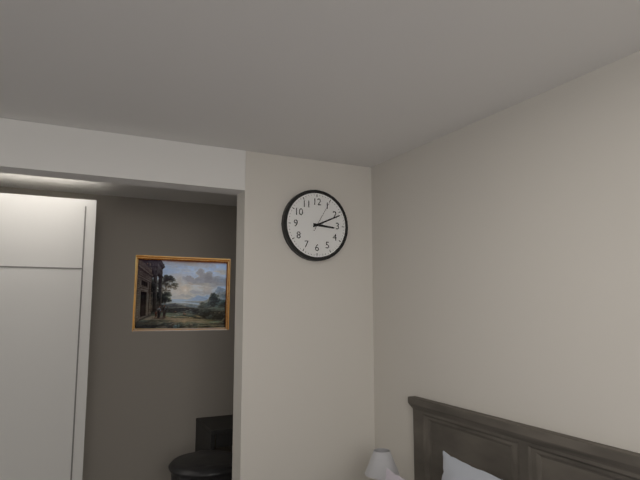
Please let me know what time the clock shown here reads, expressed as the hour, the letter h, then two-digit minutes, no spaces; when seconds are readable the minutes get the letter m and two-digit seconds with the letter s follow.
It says 3h11
